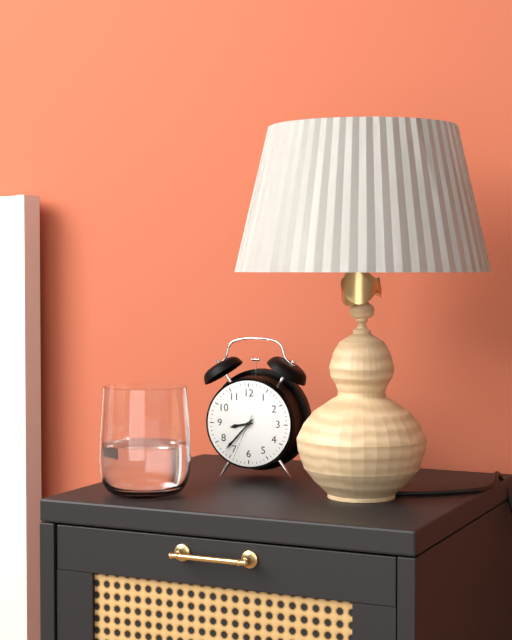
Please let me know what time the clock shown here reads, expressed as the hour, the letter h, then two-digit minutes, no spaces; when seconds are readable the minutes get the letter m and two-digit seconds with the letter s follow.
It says 8h37
